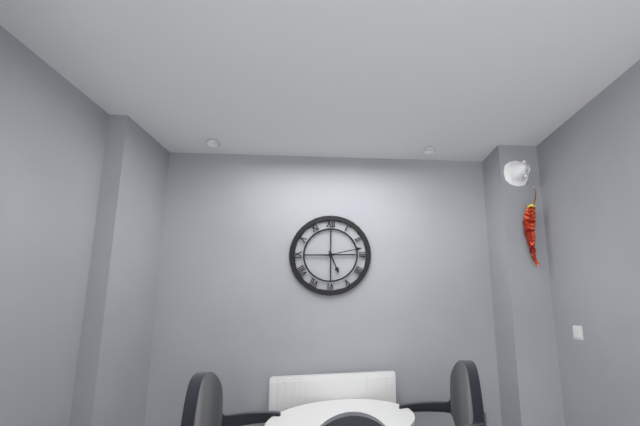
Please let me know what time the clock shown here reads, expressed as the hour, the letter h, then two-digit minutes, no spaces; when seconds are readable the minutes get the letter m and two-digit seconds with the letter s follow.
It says 5h13
